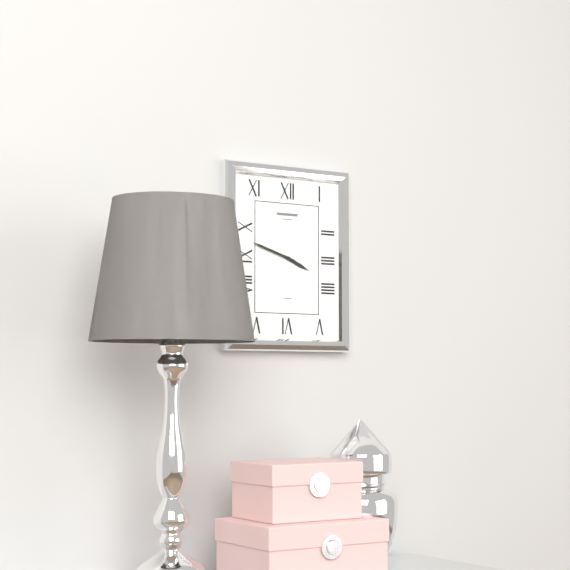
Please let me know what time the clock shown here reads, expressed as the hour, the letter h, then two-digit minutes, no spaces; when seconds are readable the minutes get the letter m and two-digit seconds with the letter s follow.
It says 3h48
